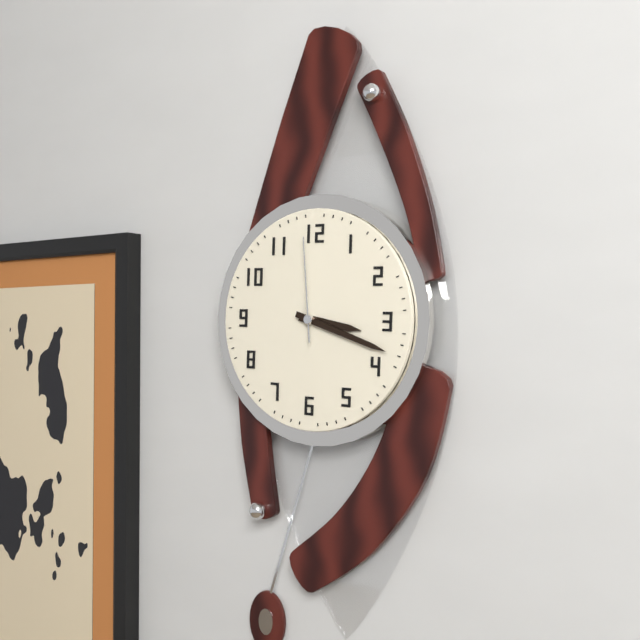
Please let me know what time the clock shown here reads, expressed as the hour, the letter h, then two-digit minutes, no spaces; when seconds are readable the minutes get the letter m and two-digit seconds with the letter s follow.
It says 3h18m59s
